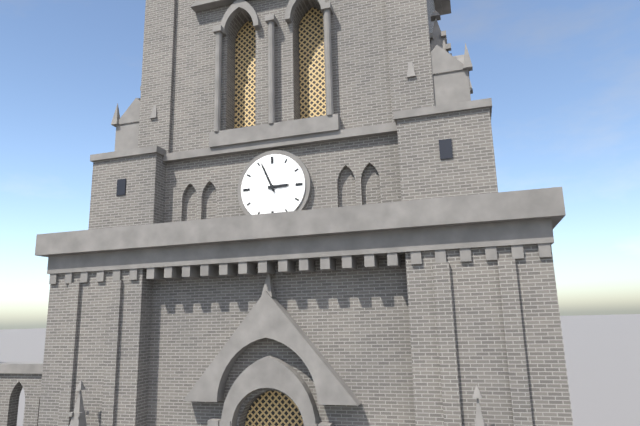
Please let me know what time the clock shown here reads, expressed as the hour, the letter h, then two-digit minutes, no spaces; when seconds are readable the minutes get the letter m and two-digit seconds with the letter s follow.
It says 2h56
